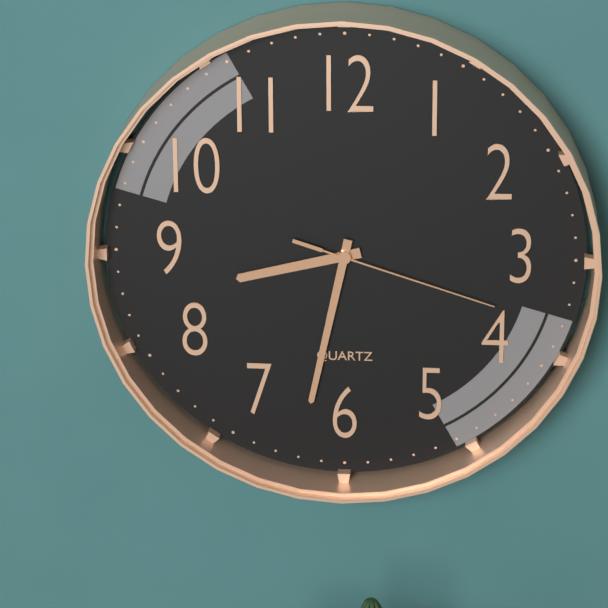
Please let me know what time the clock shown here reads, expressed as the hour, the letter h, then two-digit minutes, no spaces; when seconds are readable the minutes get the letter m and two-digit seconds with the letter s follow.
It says 8h32m18s
